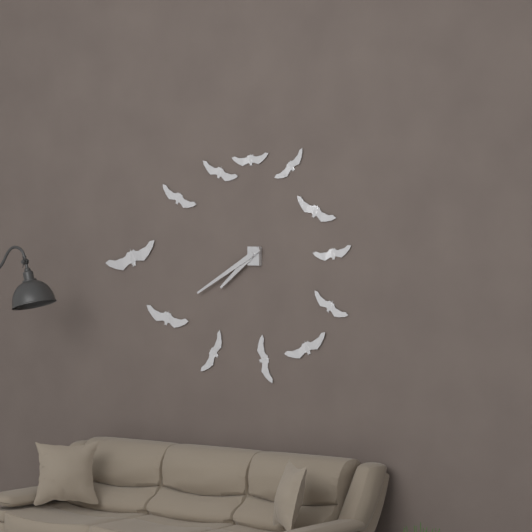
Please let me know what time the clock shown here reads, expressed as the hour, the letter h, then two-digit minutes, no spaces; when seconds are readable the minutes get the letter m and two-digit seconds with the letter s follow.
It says 7h40
